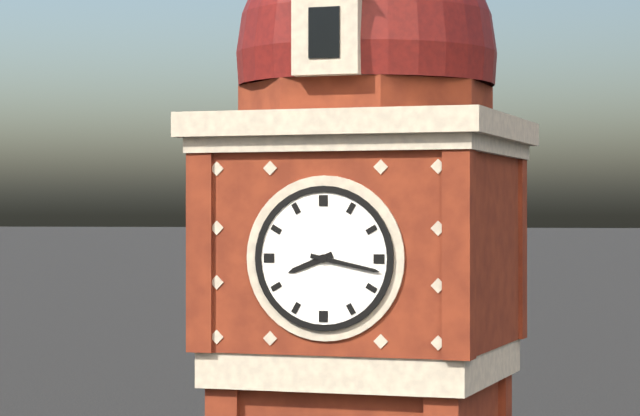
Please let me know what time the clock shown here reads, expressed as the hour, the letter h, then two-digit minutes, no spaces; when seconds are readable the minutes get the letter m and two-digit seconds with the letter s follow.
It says 8h17
